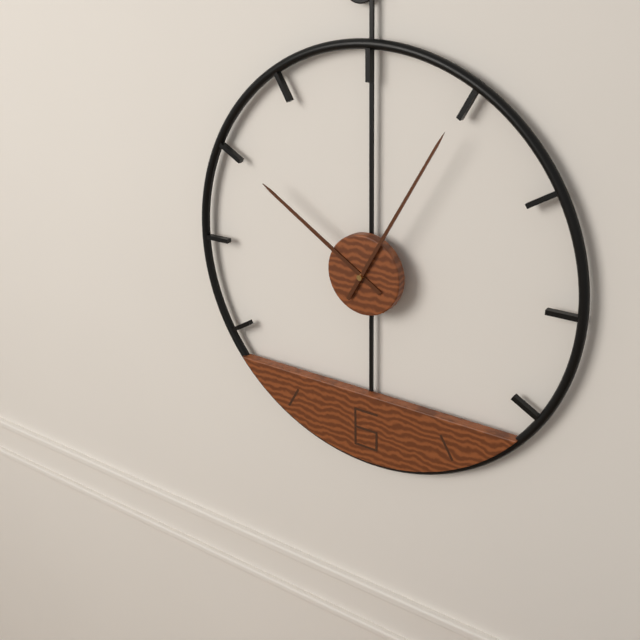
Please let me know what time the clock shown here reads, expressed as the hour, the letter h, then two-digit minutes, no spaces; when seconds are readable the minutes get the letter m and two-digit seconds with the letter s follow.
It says 10h05
